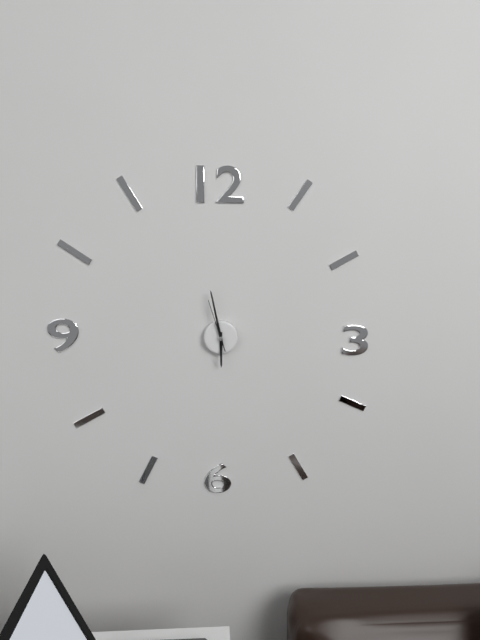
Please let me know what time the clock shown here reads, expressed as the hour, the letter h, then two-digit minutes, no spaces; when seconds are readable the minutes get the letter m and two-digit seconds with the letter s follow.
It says 5h58m57s
